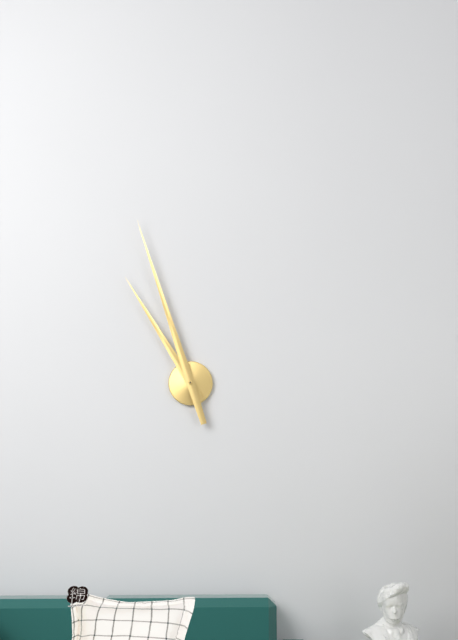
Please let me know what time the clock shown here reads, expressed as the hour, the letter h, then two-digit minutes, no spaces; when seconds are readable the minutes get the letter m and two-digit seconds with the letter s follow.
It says 10h57
